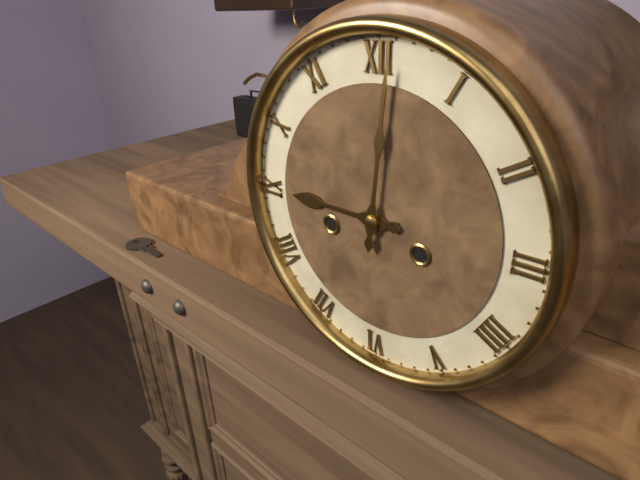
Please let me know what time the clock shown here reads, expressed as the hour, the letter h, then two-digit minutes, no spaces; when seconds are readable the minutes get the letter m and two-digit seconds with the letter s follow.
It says 9h01
